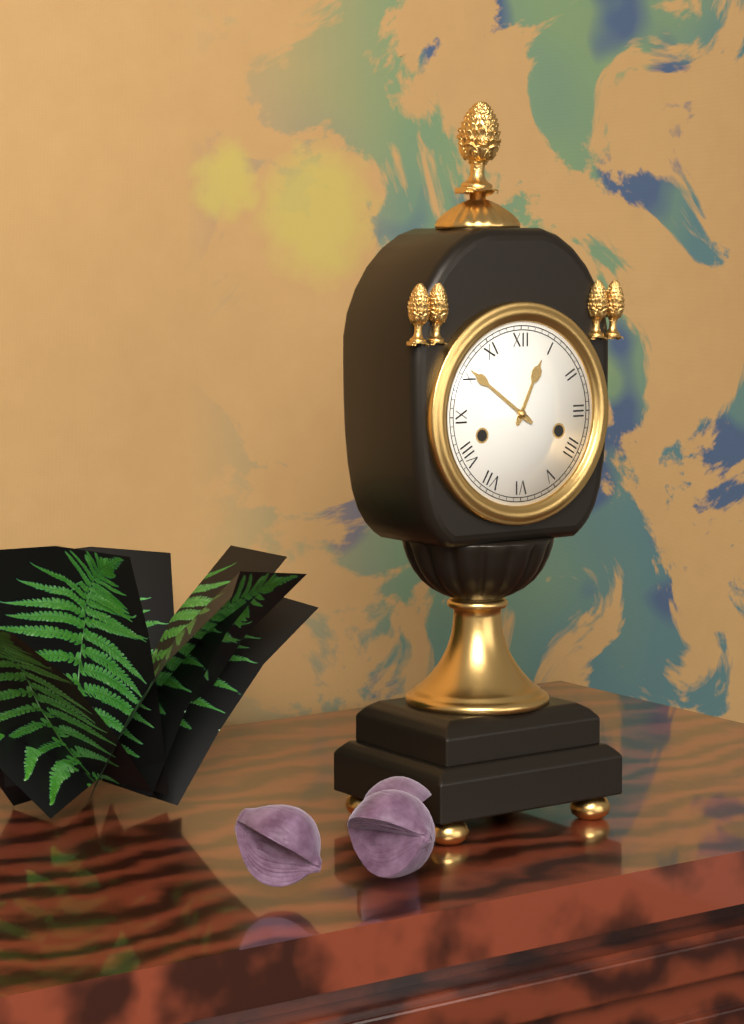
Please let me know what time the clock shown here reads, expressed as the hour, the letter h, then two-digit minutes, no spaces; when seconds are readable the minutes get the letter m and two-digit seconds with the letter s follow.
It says 12h51
